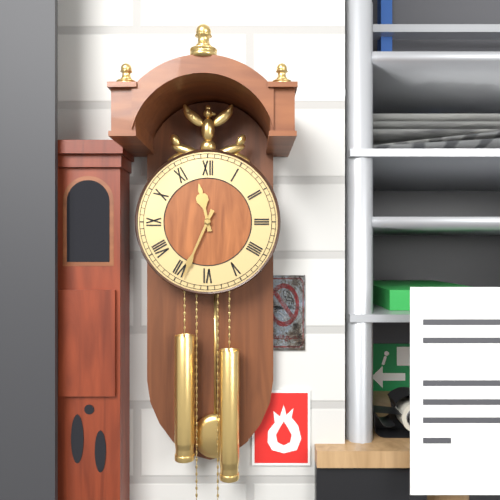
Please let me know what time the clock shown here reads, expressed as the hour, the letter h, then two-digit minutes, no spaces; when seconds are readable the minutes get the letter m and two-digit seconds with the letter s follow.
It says 11h34
